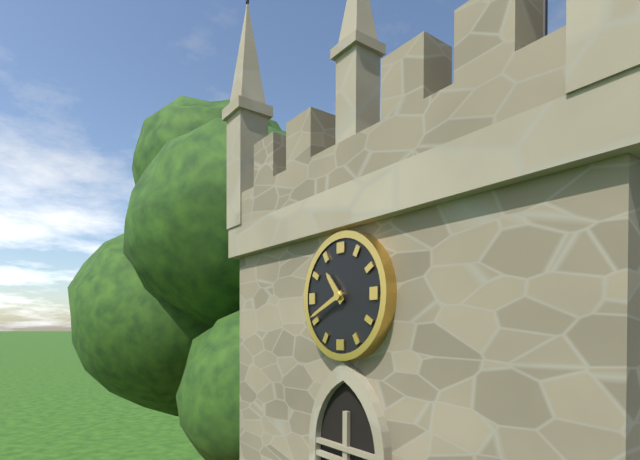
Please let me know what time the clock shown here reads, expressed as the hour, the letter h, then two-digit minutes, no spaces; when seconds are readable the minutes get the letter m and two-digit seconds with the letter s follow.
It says 10h41
